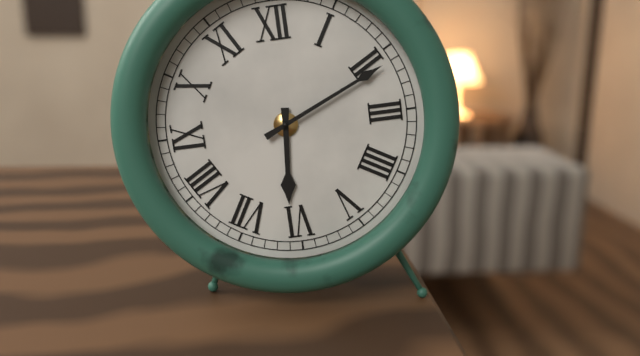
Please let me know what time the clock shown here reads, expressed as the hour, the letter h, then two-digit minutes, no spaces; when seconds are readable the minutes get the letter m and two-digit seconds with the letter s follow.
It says 6h11
